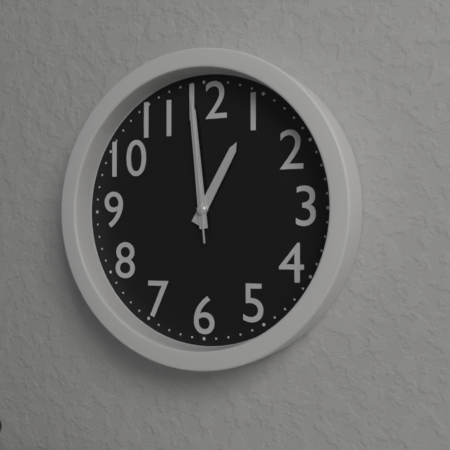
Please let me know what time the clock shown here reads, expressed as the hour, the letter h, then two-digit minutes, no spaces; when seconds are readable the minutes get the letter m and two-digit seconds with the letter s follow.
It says 12h59m59s
